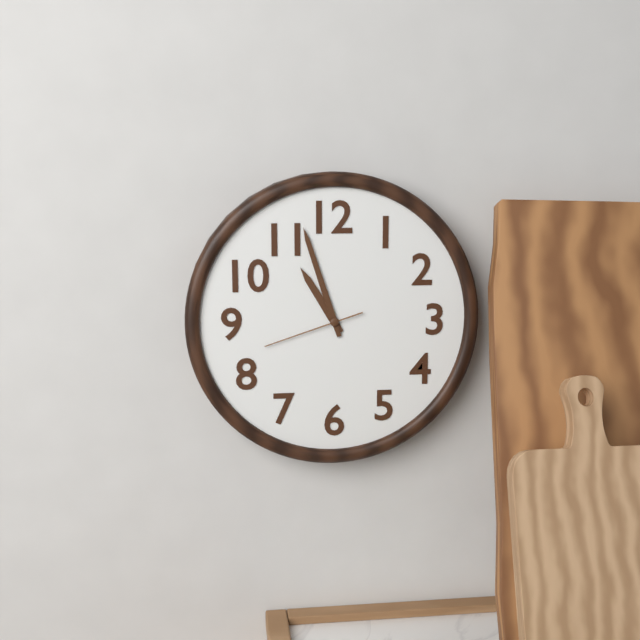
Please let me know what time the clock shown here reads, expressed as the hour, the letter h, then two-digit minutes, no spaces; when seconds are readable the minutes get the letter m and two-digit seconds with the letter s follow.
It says 10h57m42s
